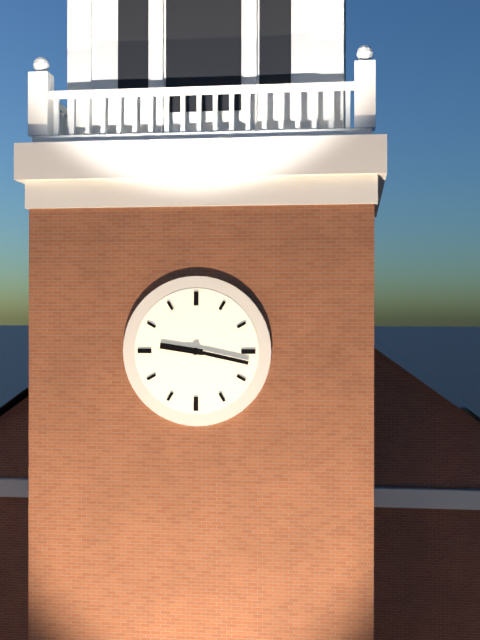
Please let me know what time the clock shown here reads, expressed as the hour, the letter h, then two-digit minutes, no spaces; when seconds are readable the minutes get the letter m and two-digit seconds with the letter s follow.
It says 9h17
